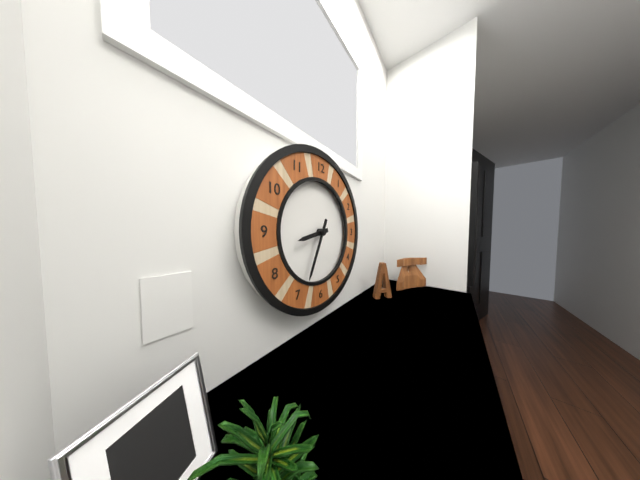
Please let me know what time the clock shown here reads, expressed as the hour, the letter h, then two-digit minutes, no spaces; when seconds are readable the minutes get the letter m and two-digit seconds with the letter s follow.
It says 8h34
